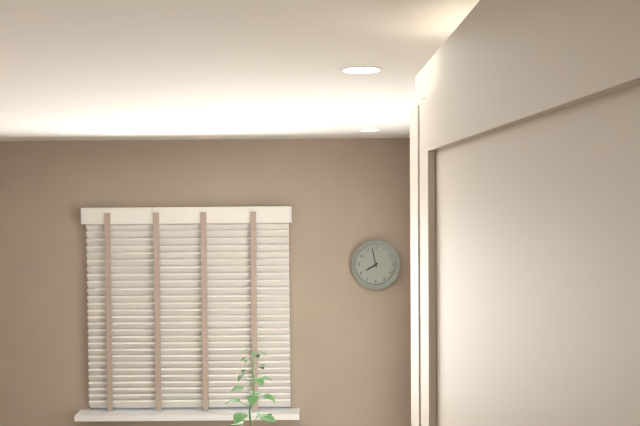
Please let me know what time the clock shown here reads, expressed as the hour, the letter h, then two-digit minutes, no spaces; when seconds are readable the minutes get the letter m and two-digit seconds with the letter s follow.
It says 7h58
